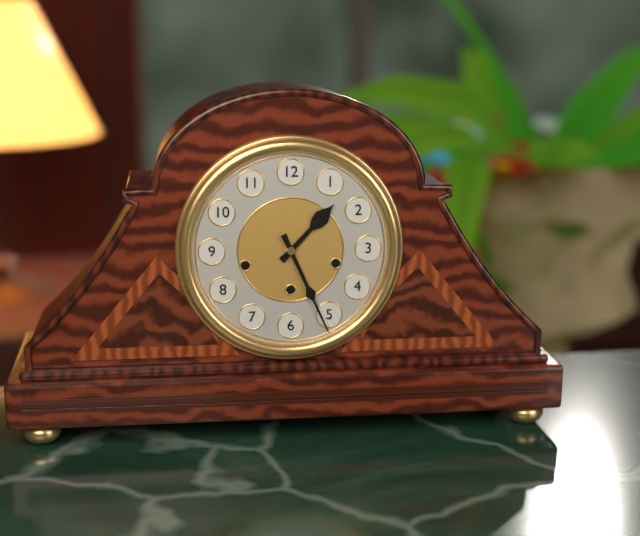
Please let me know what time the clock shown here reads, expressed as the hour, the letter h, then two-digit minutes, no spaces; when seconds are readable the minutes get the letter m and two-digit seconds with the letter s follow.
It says 1h26
